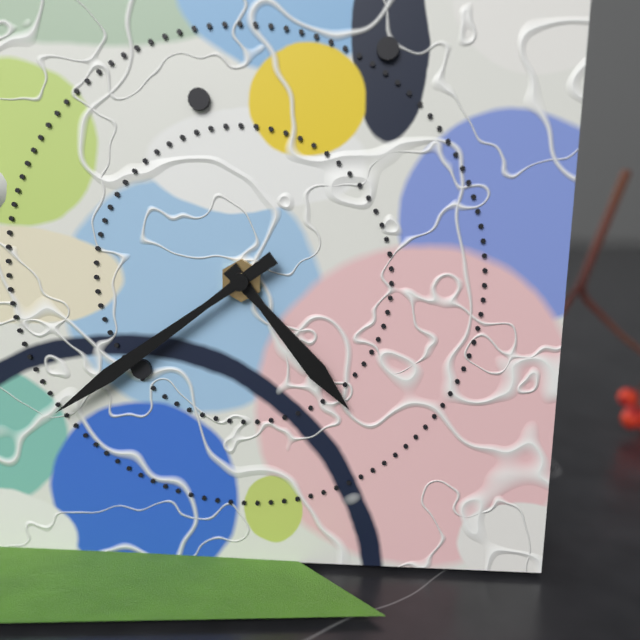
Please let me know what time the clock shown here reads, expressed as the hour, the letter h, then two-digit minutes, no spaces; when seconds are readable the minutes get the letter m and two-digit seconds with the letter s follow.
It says 4h39
